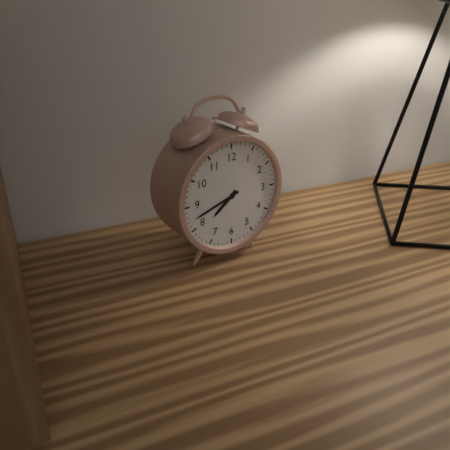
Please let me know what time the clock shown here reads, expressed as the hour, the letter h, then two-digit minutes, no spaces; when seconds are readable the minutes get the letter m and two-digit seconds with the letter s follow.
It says 7h42
